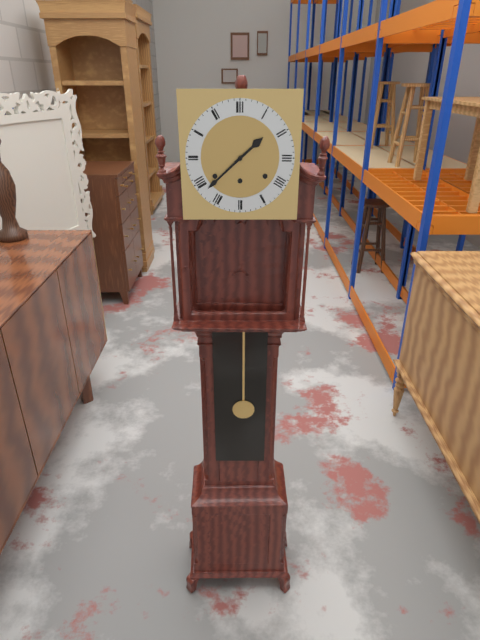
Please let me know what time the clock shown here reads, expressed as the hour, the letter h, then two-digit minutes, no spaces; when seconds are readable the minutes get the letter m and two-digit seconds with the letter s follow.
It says 1h38
